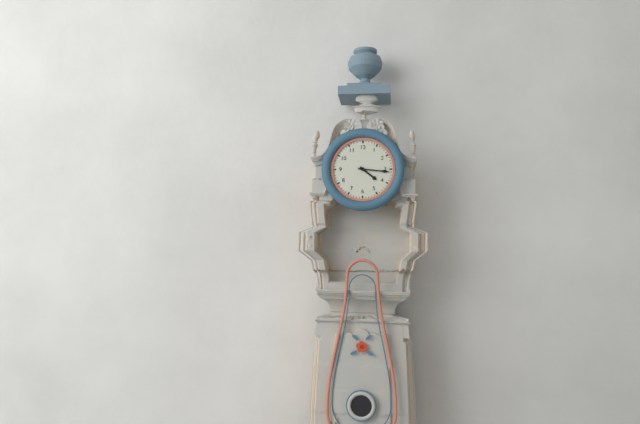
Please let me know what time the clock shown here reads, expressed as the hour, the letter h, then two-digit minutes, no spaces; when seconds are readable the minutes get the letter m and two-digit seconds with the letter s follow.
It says 4h16
